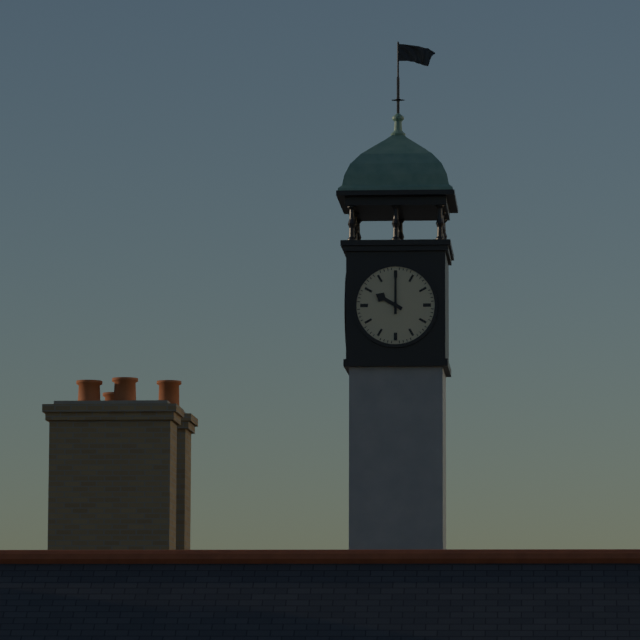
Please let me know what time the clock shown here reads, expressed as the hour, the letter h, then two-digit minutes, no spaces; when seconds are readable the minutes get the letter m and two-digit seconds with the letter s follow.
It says 10h00
